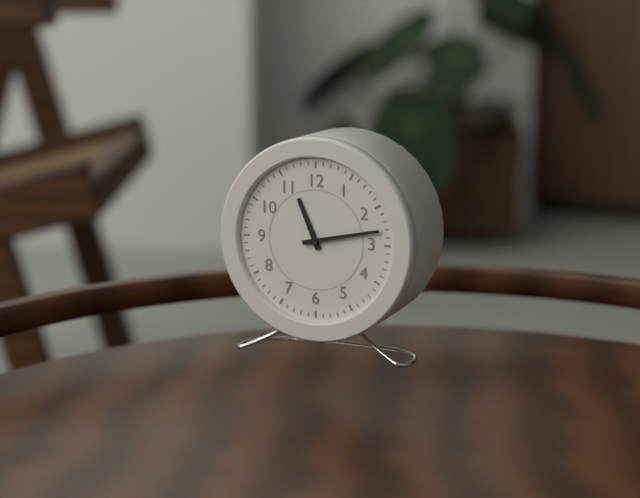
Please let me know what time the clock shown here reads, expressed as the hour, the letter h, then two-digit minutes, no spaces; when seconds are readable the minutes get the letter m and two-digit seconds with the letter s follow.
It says 11h13
